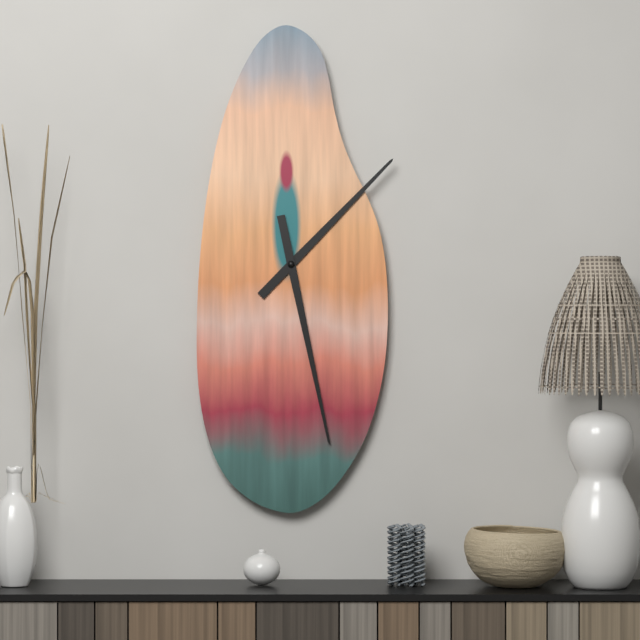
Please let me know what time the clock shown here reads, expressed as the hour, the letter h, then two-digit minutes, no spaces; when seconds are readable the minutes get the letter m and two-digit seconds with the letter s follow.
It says 1h28
